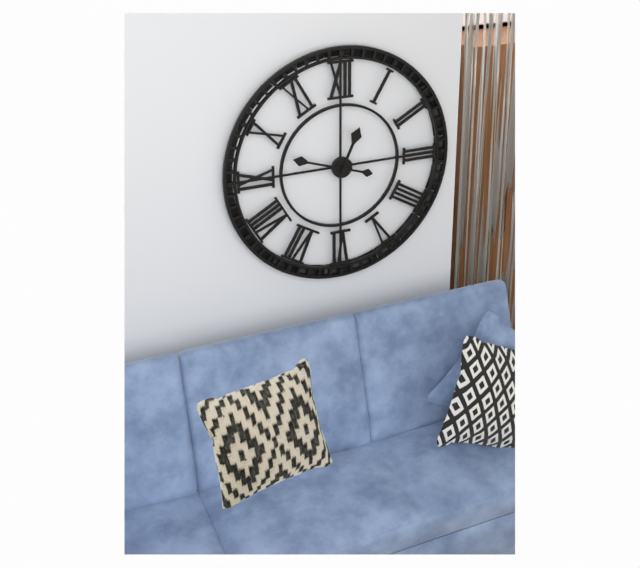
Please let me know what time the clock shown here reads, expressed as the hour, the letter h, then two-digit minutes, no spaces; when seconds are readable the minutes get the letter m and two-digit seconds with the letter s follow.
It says 12h48
